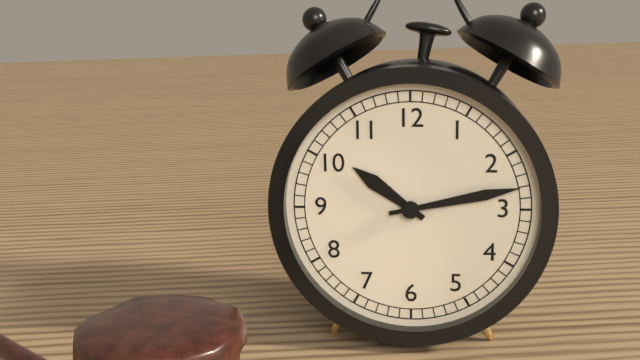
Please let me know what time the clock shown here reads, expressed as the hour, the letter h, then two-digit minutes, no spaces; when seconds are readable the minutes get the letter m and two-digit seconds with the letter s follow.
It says 10h13
